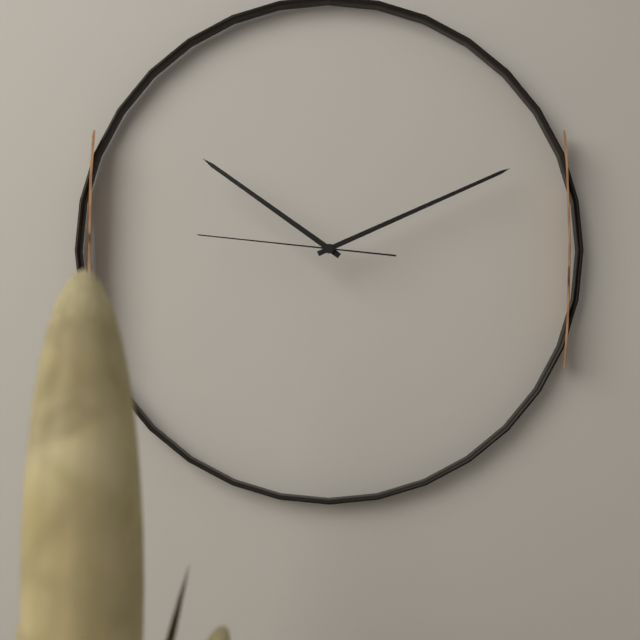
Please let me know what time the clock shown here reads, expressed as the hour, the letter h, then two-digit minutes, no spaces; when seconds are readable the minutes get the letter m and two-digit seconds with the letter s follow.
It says 10h11m46s
